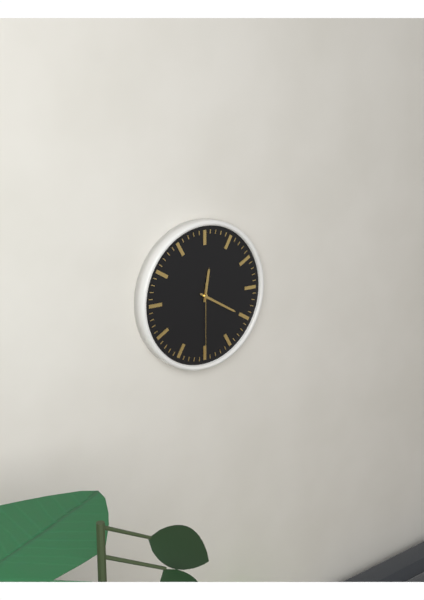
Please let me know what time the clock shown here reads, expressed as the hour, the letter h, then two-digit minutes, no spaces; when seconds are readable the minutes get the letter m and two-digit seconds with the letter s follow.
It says 12h20m30s
